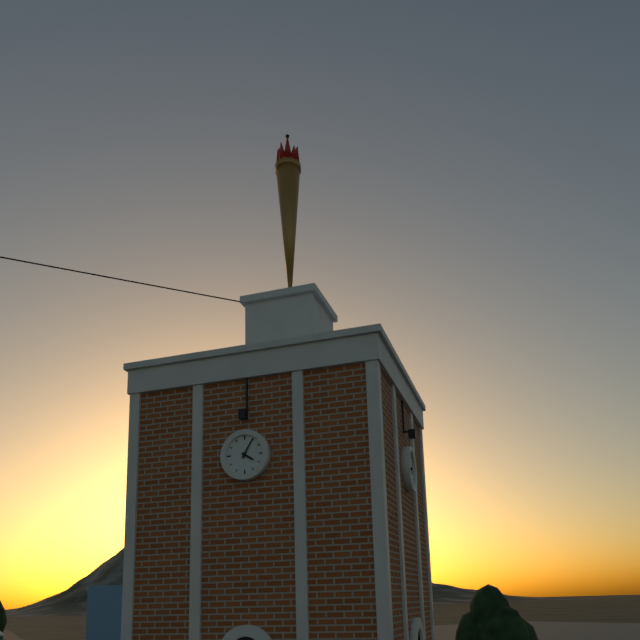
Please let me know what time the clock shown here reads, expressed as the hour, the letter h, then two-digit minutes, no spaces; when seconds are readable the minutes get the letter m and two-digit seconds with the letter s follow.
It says 4h05
